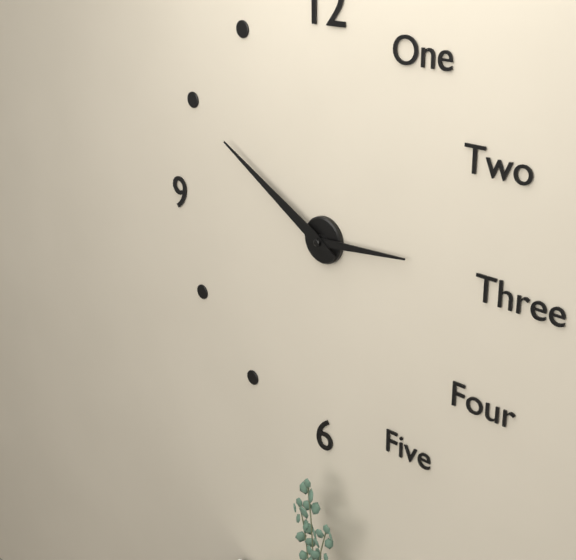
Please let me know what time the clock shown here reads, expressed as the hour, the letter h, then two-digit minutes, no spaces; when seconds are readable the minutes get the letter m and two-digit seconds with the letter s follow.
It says 2h50
